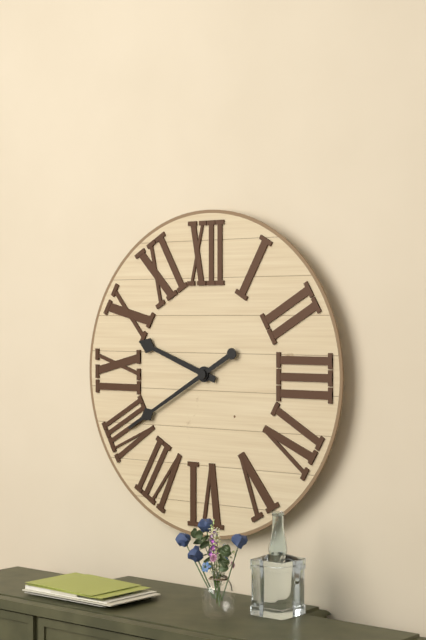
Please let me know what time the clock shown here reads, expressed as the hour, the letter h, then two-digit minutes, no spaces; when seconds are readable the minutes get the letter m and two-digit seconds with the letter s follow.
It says 9h40
